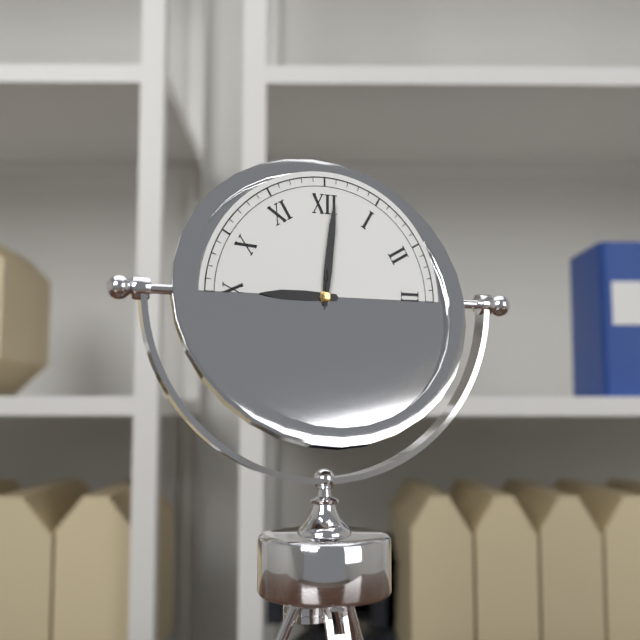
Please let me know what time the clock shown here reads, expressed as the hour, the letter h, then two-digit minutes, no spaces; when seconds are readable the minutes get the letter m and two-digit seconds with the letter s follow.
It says 9h01
